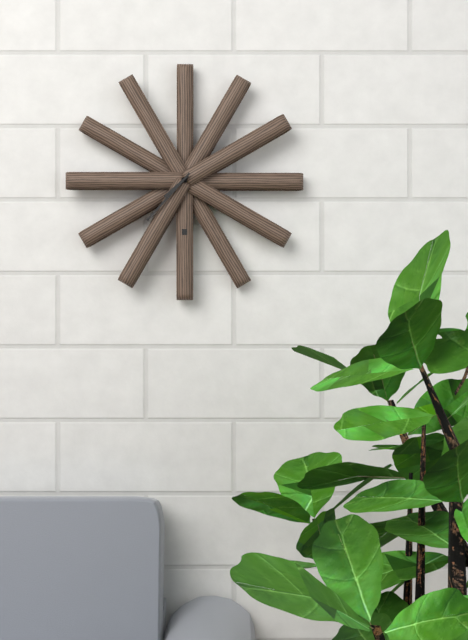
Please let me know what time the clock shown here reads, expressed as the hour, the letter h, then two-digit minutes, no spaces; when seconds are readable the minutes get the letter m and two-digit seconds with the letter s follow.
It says 7h37
